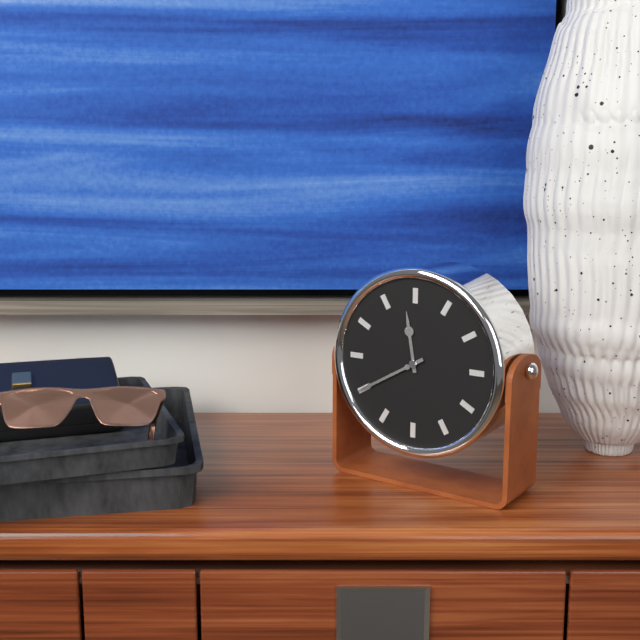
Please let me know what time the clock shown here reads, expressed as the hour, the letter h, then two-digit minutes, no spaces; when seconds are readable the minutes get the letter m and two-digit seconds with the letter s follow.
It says 11h40
